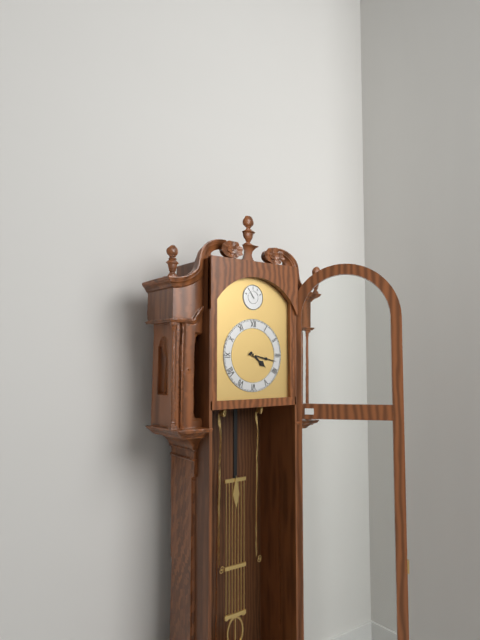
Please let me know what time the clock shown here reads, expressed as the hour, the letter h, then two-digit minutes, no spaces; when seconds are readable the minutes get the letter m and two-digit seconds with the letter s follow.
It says 4h17
